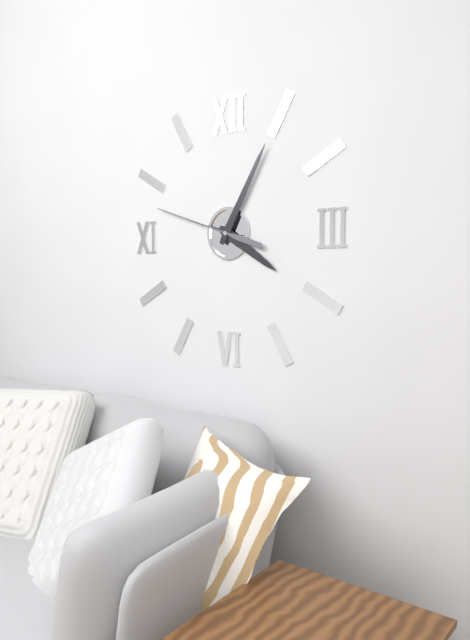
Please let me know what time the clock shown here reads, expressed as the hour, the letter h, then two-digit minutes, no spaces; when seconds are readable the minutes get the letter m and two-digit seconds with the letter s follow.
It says 4h05m48s
